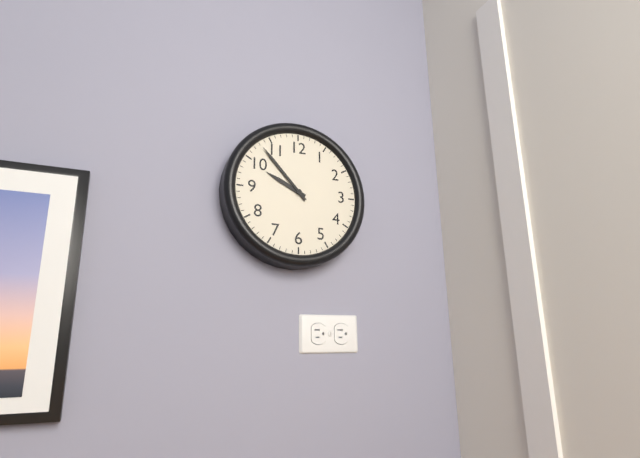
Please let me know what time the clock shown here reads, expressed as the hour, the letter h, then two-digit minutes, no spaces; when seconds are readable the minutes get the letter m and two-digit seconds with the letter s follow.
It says 9h53
